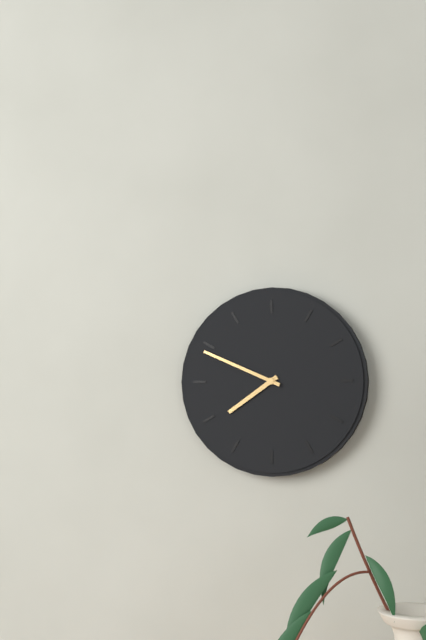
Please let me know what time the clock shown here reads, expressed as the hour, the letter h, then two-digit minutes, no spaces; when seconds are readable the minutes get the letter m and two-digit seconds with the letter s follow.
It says 7h49
